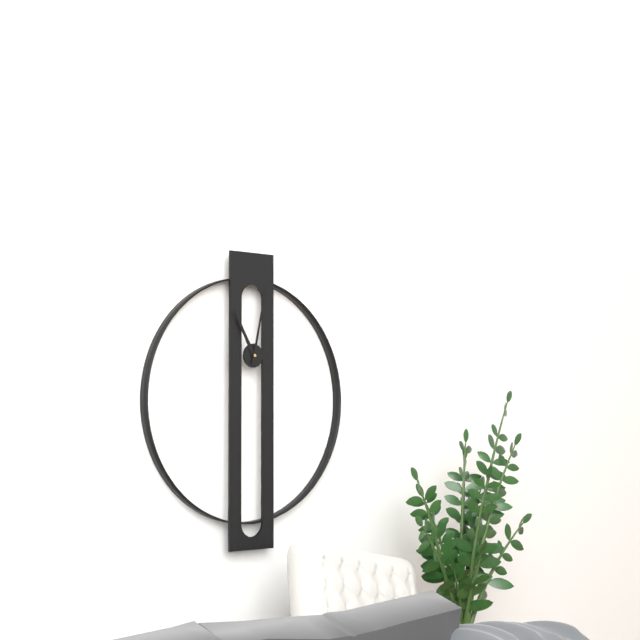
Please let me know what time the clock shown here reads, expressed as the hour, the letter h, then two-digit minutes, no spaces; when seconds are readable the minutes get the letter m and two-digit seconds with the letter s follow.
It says 11h02
